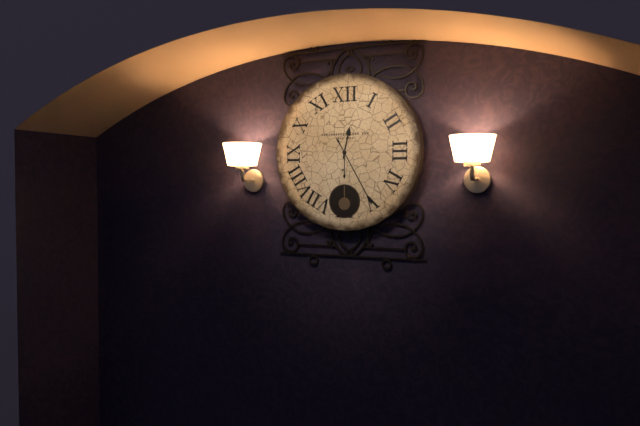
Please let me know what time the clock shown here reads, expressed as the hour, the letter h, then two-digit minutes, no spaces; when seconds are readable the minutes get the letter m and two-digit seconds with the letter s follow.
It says 12h25
